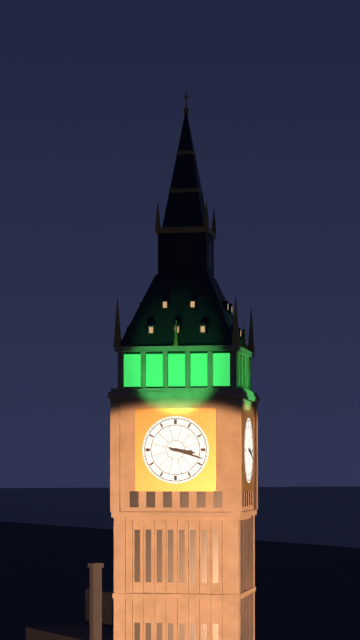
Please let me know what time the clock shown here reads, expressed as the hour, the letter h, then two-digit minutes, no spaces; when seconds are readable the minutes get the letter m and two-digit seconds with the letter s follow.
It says 3h18
